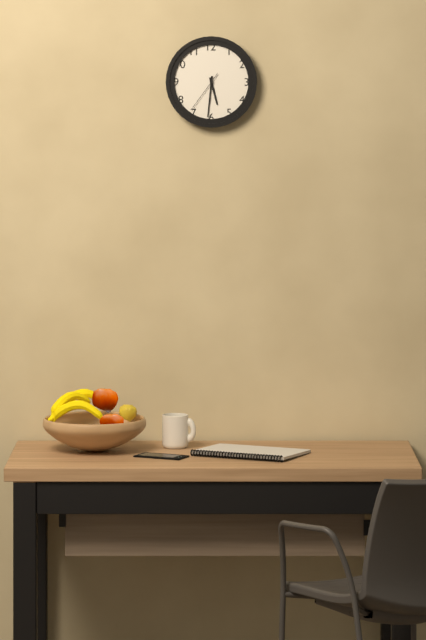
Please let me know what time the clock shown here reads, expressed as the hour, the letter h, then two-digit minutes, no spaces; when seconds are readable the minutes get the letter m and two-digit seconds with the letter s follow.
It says 5h31
